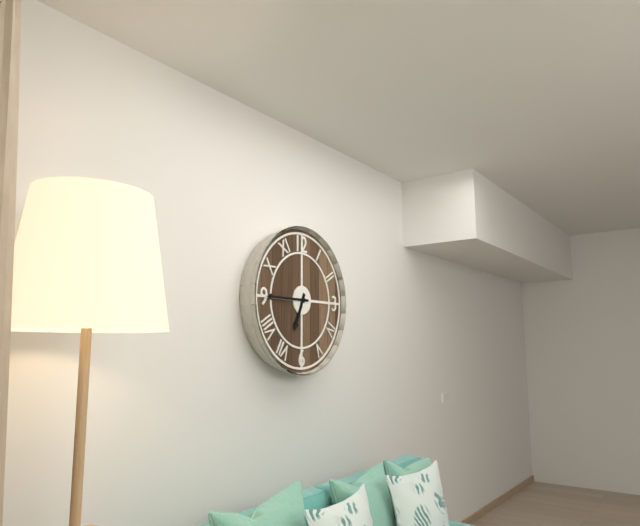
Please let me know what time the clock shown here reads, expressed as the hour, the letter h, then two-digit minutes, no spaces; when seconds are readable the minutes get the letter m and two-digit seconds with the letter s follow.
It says 6h45
